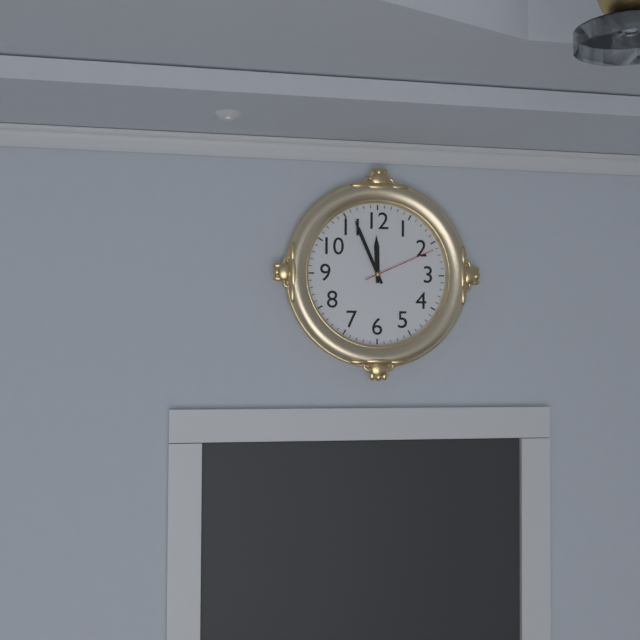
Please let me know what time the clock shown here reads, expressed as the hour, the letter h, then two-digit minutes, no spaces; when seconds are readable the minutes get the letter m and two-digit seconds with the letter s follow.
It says 11h56m11s
